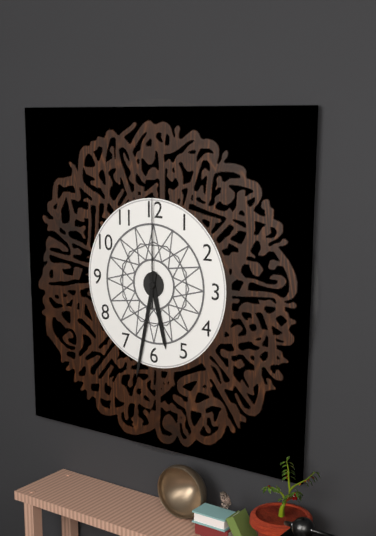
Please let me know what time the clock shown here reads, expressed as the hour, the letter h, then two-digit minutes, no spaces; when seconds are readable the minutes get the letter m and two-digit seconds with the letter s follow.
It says 5h32m00s
